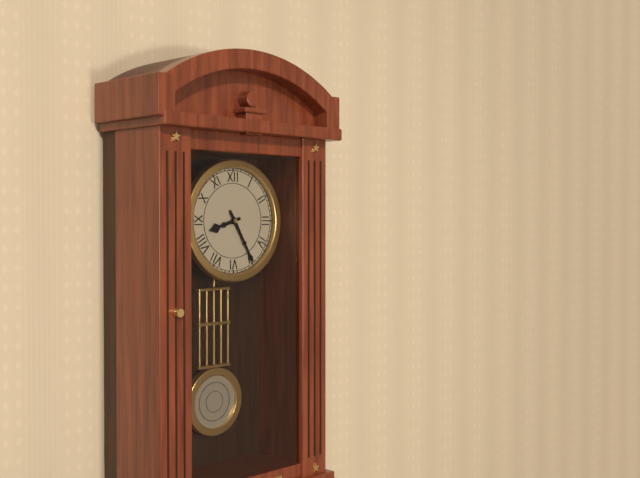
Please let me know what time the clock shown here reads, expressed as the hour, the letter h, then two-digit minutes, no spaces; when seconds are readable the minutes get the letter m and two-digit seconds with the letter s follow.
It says 8h25
